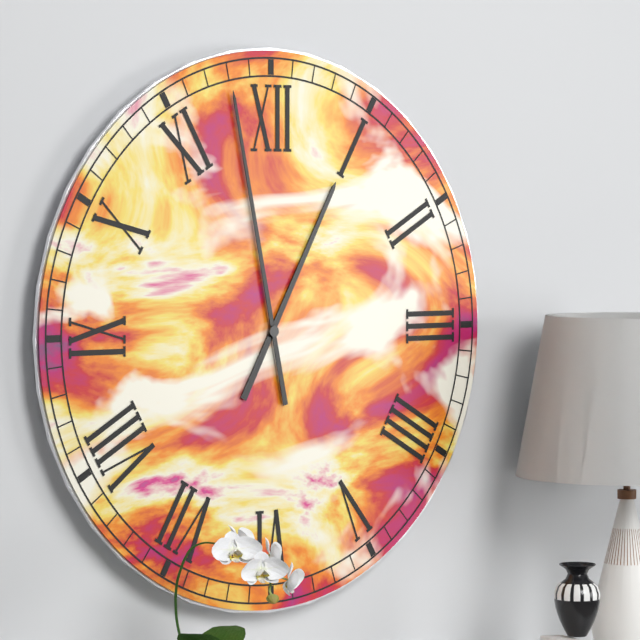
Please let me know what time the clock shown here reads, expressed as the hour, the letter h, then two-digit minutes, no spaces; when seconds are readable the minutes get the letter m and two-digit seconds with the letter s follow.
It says 12h58
